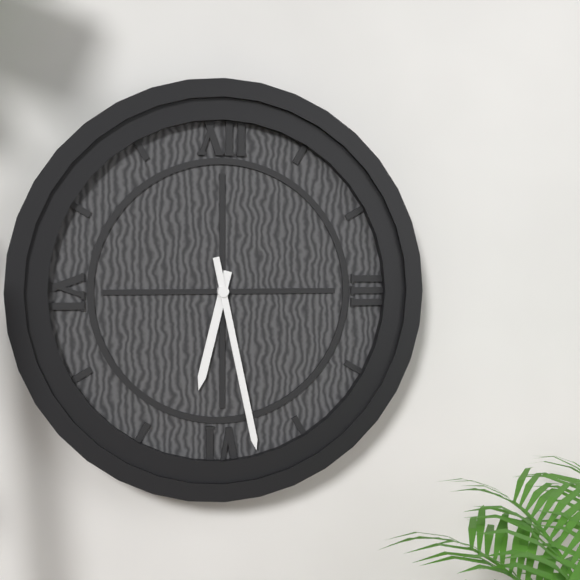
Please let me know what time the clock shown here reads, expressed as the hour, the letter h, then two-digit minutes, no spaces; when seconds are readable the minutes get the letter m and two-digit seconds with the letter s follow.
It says 6h28
